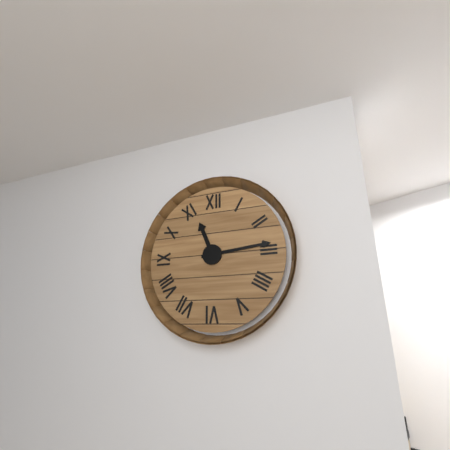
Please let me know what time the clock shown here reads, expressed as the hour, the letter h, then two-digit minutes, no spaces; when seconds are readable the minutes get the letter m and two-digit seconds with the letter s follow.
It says 11h14
